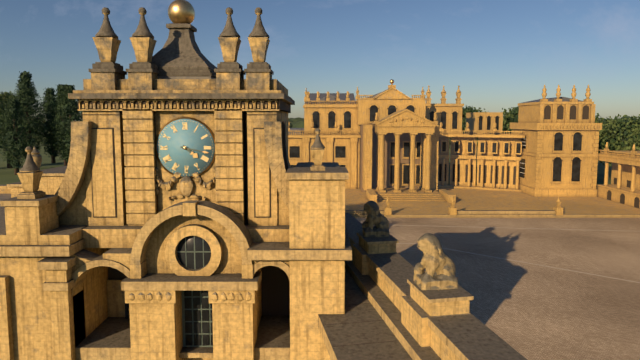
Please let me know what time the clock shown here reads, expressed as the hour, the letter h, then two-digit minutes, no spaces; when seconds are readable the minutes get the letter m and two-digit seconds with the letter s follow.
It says 4h17
